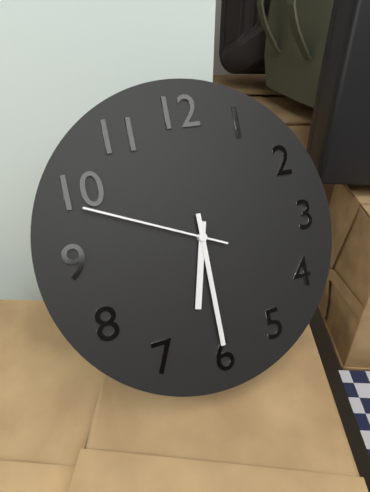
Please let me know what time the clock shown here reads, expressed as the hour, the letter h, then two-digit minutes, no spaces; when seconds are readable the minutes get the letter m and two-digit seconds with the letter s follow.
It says 6h30m49s
